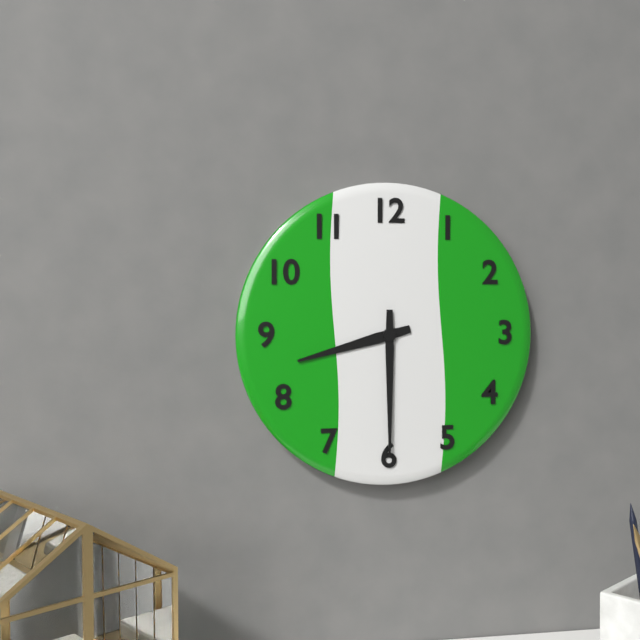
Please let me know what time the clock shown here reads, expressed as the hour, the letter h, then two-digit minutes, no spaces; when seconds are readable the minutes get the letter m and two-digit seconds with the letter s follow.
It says 8h30
